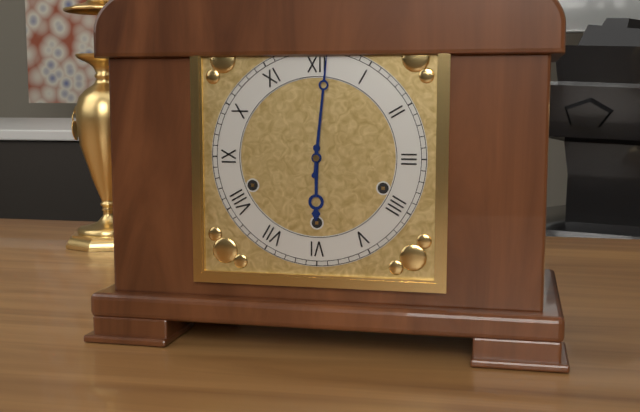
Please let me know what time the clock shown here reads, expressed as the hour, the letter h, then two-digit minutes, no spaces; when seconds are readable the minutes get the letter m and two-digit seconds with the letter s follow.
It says 6h01
